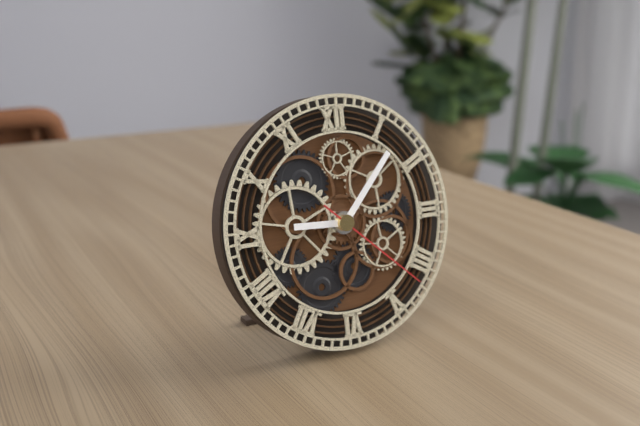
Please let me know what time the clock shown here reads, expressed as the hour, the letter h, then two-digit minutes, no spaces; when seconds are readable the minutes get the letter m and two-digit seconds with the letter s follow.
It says 9h07m22s
